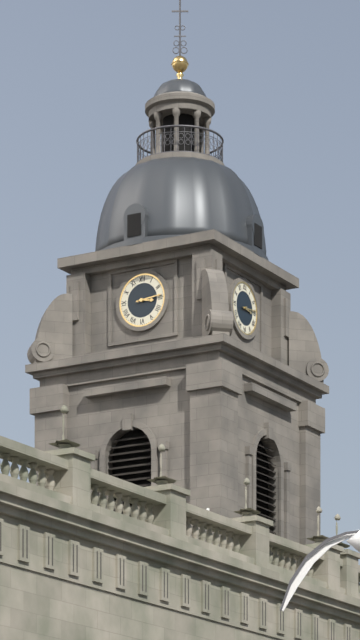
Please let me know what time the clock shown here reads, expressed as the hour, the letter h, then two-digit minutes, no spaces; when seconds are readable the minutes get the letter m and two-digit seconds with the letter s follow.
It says 3h14
